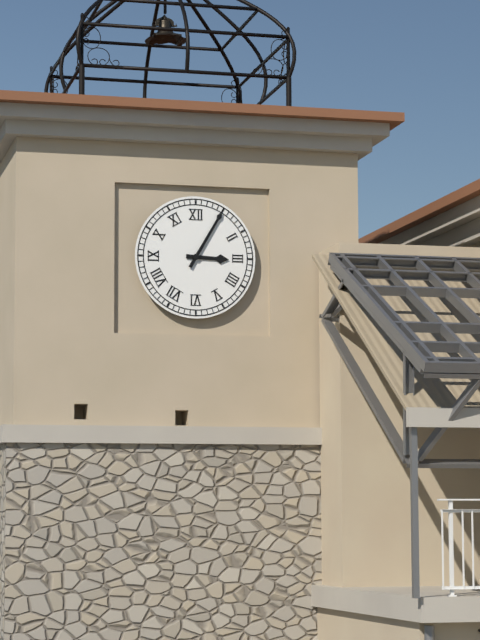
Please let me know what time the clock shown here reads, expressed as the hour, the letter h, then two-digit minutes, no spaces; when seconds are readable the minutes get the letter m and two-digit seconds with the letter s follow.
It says 3h05
